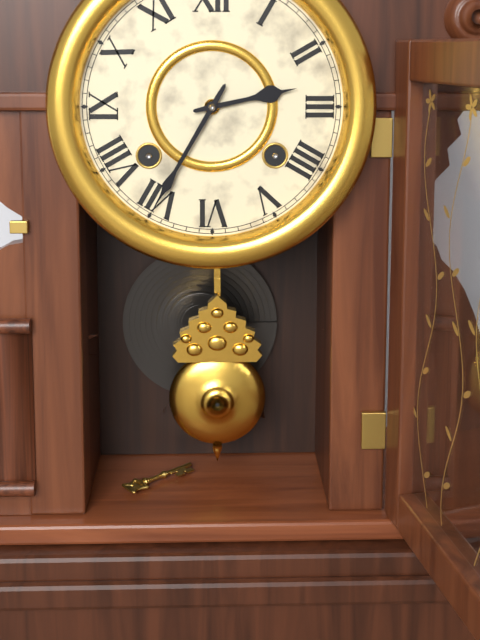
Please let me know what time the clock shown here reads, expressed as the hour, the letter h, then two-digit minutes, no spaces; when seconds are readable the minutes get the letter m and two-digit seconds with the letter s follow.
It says 2h35
